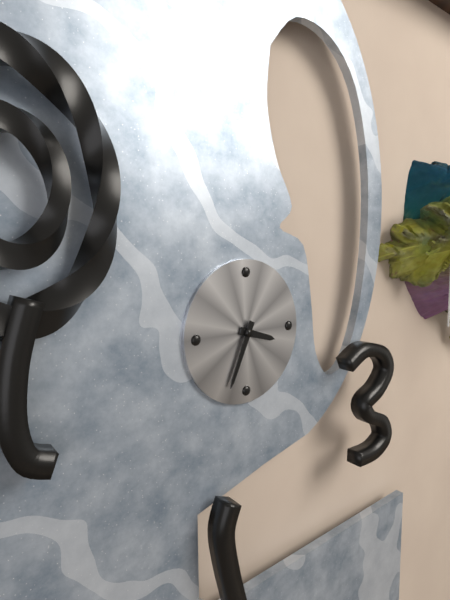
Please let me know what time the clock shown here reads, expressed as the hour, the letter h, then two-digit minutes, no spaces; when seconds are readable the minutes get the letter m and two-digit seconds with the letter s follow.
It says 3h34
